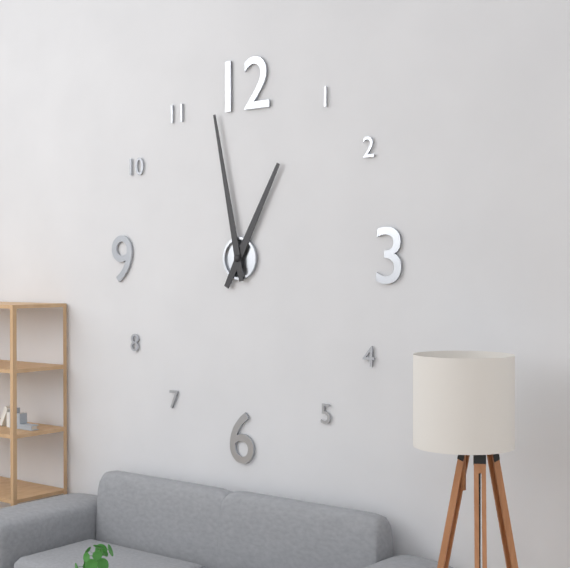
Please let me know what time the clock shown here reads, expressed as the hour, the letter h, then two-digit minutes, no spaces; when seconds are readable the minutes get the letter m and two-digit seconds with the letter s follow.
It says 12h58
